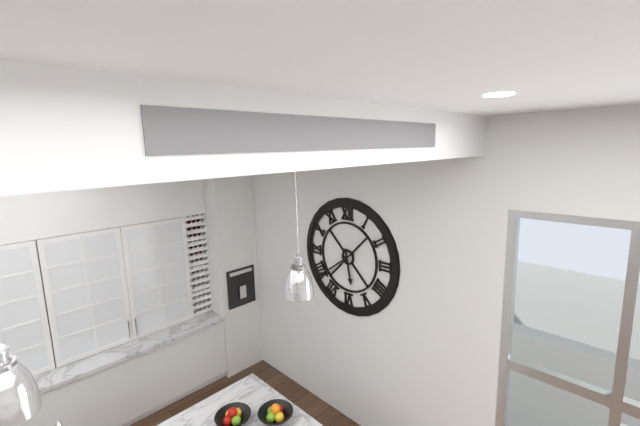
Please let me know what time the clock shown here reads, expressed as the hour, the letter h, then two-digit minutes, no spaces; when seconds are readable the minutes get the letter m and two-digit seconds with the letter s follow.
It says 5h39
